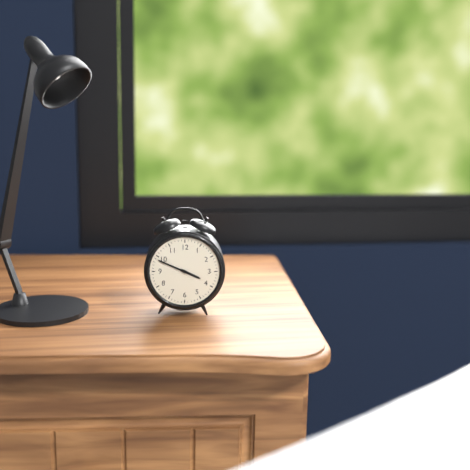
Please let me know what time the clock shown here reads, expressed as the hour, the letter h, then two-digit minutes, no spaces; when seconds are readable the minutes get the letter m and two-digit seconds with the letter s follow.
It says 3h49
